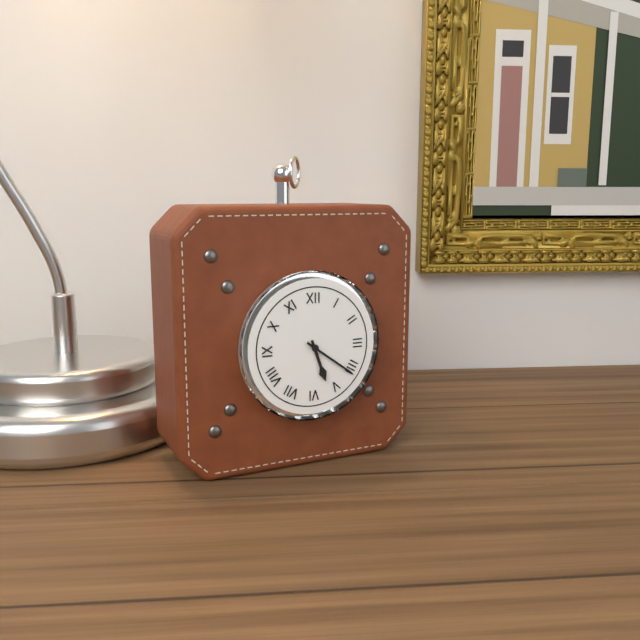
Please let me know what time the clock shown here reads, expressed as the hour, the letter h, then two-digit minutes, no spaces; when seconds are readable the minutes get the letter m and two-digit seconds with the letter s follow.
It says 5h21
